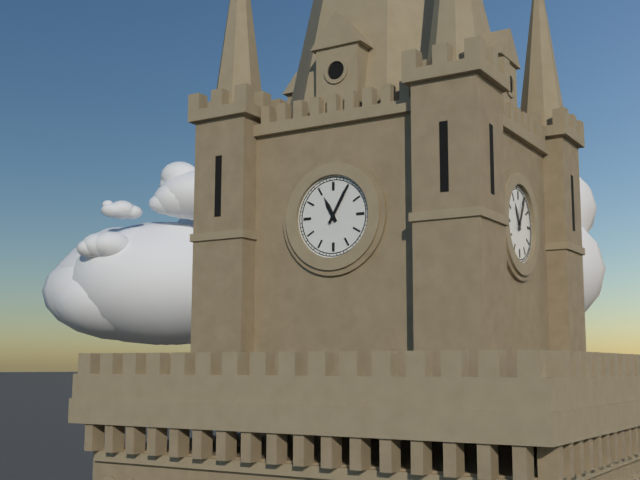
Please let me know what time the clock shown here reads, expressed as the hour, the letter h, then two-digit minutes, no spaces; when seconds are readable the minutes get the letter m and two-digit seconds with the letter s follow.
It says 11h05
